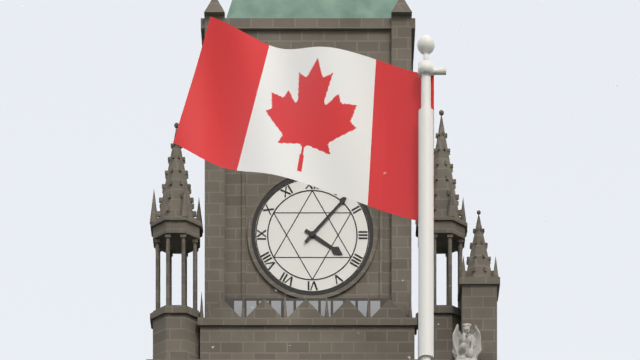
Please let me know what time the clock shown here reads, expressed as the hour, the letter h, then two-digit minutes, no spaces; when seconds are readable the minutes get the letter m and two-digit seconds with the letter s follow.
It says 4h07
